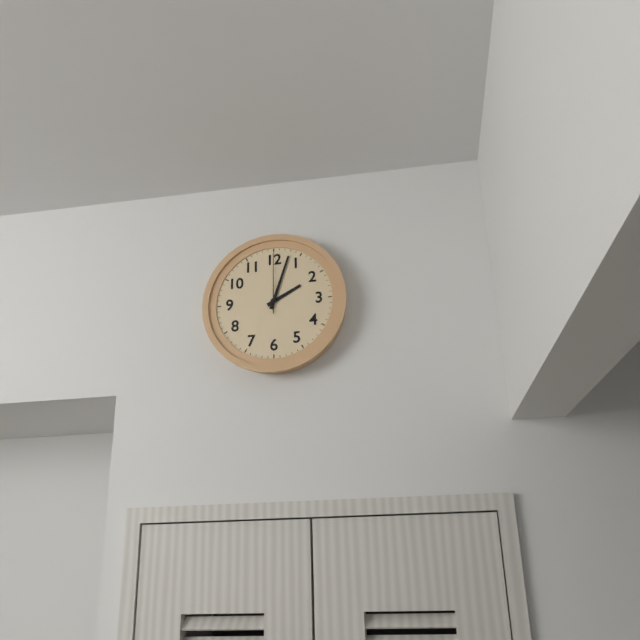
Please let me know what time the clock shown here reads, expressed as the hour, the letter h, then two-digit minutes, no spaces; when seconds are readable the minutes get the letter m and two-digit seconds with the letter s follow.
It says 2h03m00s
